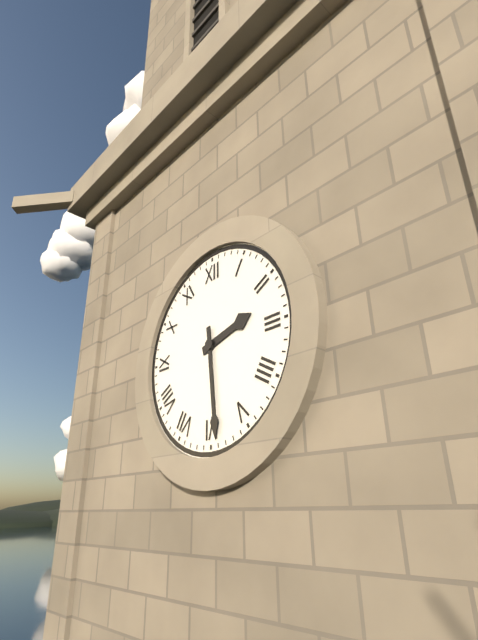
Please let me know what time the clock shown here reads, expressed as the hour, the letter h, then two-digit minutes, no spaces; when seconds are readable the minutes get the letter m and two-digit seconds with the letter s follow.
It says 2h29
